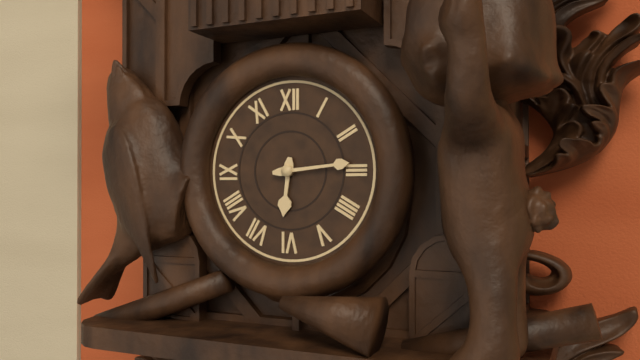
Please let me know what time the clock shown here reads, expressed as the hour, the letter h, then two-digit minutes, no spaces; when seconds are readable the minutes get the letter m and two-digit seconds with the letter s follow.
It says 6h14
